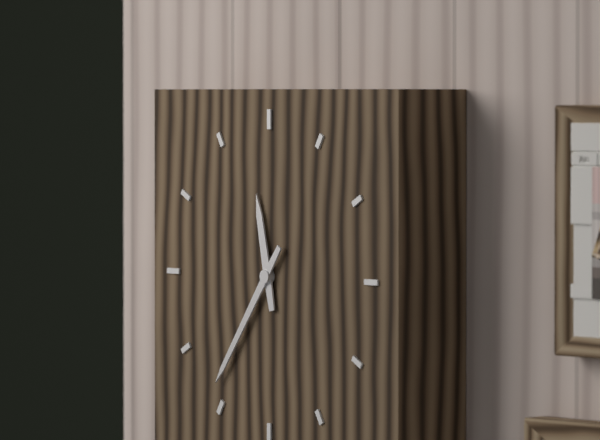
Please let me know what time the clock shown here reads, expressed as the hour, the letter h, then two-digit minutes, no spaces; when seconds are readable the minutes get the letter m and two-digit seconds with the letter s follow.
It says 11h36
